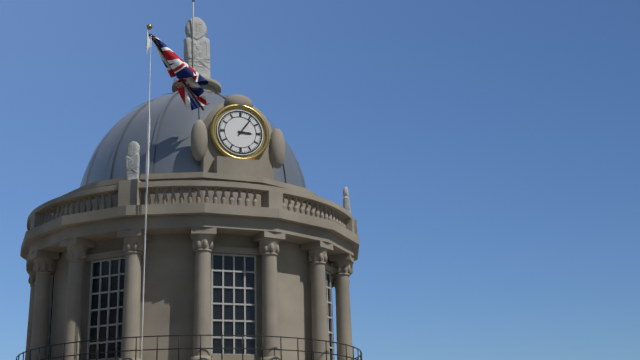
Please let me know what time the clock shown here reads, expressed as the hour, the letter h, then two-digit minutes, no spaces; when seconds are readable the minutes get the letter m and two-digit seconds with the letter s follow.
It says 3h06
